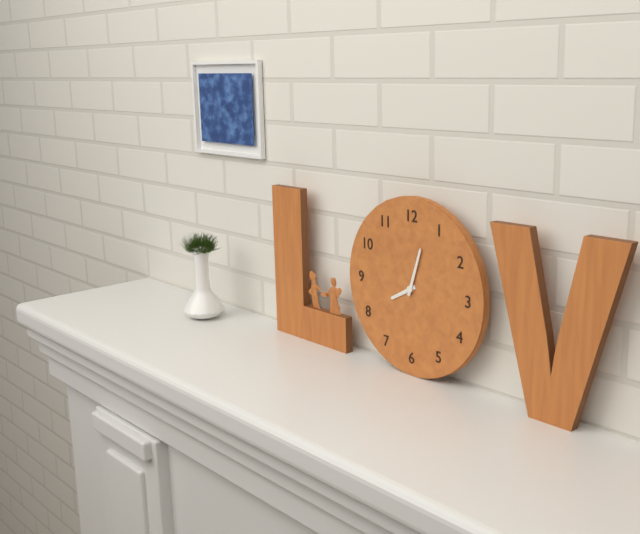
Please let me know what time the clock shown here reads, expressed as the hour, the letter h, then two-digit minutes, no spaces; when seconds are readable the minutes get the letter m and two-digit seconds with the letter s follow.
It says 8h03
